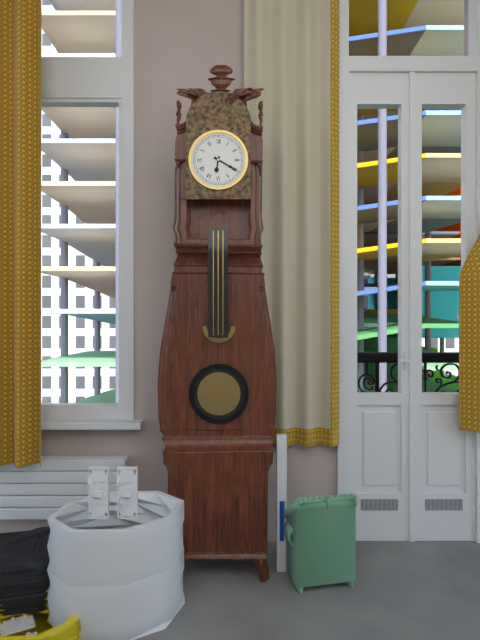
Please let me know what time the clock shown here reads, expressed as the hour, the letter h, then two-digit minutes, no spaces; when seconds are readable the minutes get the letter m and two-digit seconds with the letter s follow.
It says 6h20
